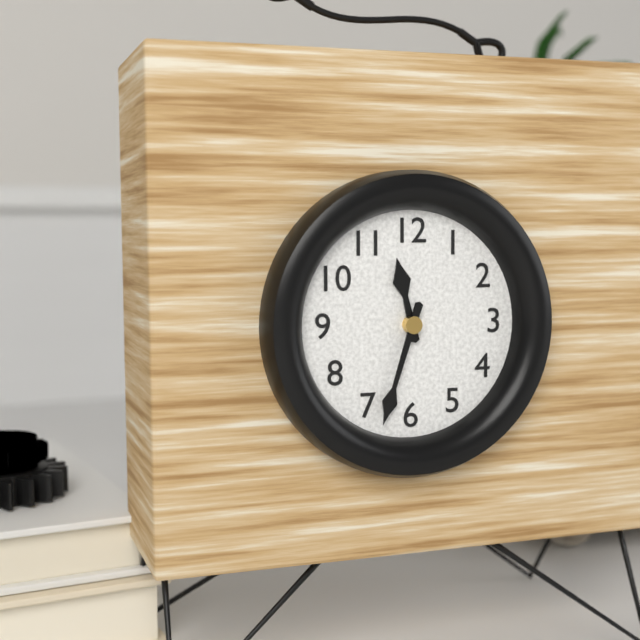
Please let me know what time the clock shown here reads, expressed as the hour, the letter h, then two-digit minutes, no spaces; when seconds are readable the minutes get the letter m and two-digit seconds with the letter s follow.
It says 11h33
